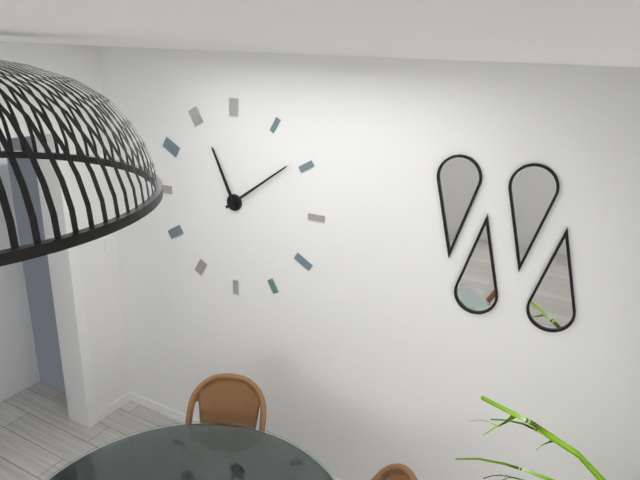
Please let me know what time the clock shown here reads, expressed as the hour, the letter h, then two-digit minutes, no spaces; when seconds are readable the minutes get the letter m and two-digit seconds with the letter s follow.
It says 11h09
